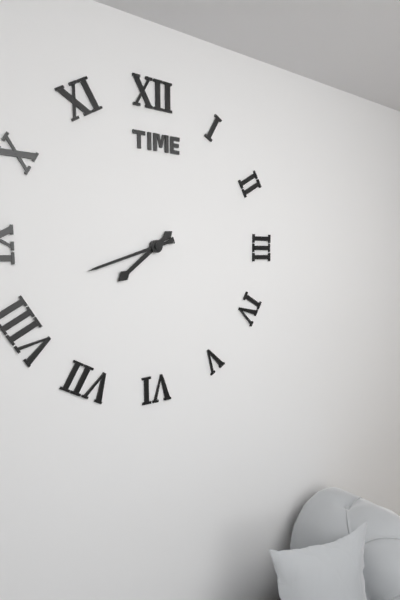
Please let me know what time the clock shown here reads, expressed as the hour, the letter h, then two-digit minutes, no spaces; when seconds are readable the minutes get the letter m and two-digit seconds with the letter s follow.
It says 7h42
